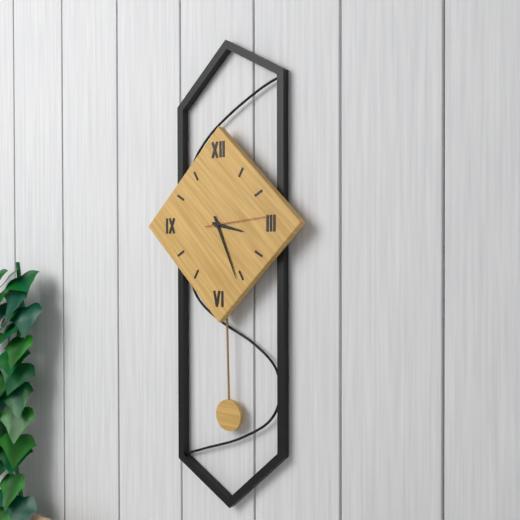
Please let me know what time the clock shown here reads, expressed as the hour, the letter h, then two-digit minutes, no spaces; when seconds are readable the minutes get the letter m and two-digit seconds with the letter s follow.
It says 3h26m14s
